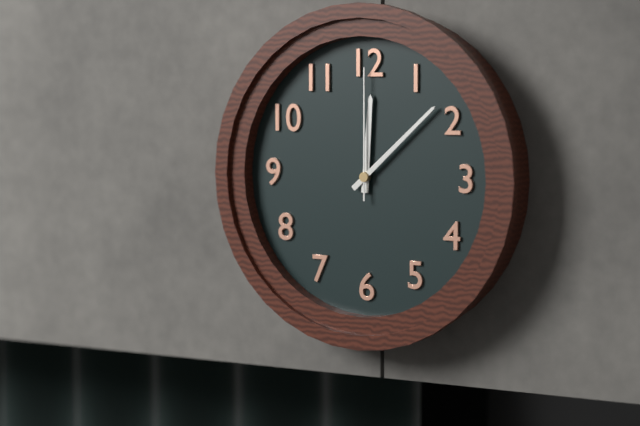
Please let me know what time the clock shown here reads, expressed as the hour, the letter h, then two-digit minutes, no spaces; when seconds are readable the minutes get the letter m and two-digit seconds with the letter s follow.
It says 12h08m00s
